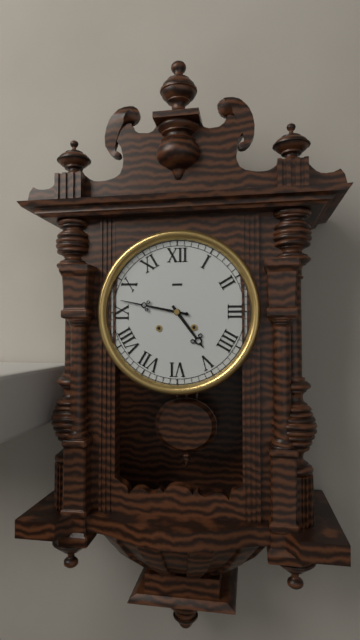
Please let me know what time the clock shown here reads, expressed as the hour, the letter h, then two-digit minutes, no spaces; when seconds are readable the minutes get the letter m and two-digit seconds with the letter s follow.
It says 4h47
